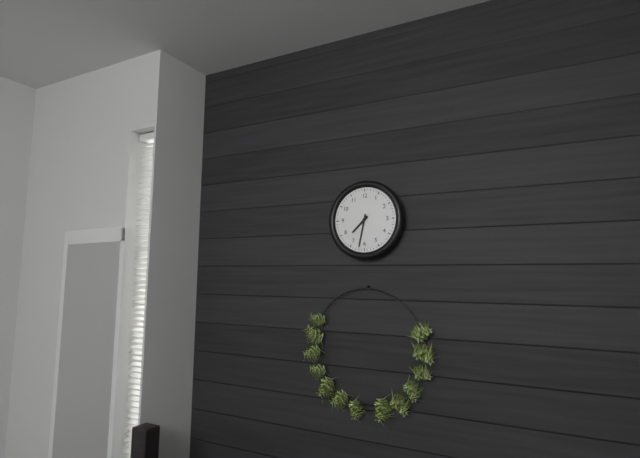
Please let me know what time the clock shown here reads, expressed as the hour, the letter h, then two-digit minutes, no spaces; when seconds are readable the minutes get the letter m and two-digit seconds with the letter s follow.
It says 7h32
